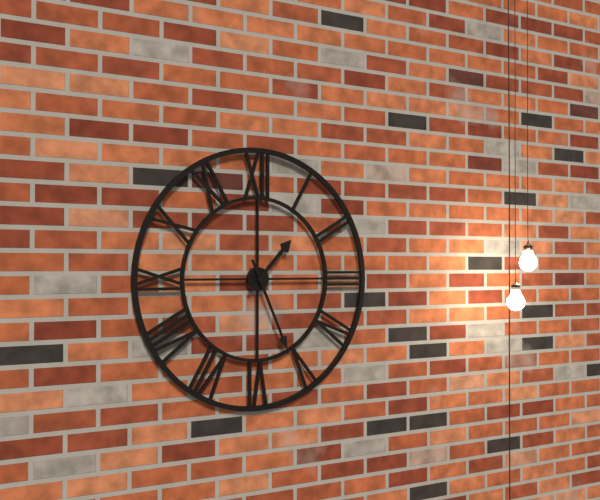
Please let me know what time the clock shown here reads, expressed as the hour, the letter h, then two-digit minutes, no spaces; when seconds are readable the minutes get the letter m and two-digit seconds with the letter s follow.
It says 1h26
